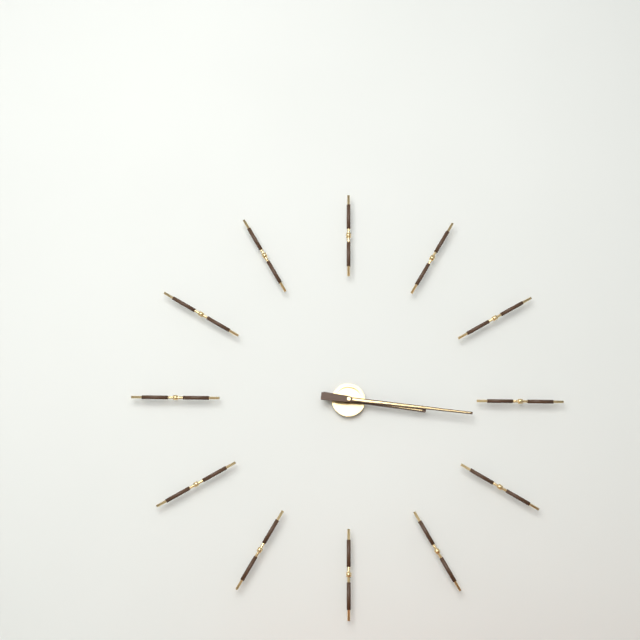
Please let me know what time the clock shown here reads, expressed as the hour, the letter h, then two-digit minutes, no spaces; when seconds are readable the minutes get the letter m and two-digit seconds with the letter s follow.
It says 3h16
